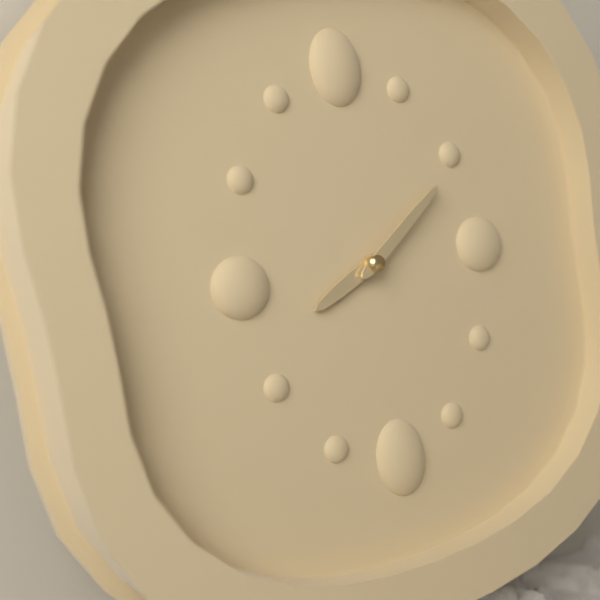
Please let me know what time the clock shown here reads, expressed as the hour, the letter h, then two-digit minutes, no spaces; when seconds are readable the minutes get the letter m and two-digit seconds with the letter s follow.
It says 8h09
